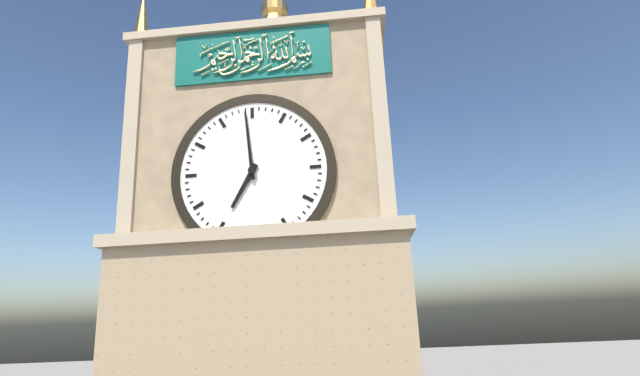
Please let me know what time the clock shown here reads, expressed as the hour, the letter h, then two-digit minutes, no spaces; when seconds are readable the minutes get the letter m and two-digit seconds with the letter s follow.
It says 6h59
